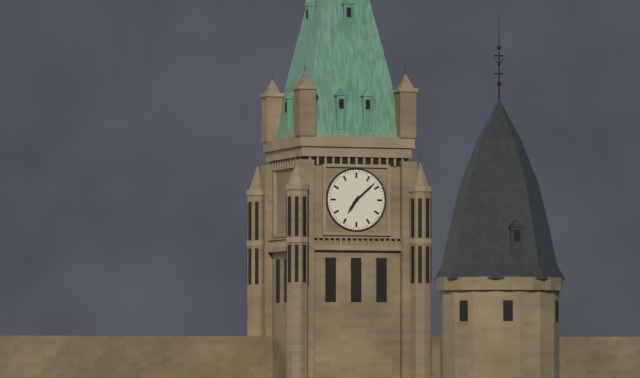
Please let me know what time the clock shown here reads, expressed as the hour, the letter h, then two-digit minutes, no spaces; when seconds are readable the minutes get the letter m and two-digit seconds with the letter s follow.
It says 7h08
